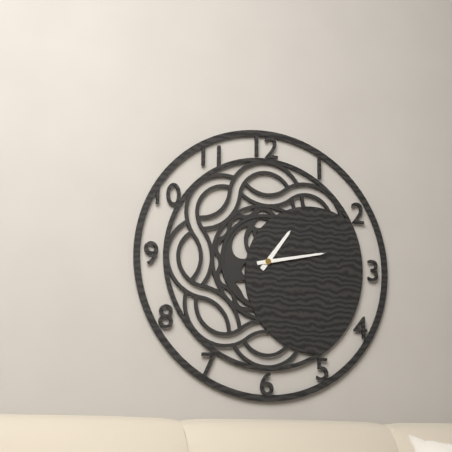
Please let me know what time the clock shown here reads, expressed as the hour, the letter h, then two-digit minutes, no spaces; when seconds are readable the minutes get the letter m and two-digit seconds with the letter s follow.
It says 1h13
